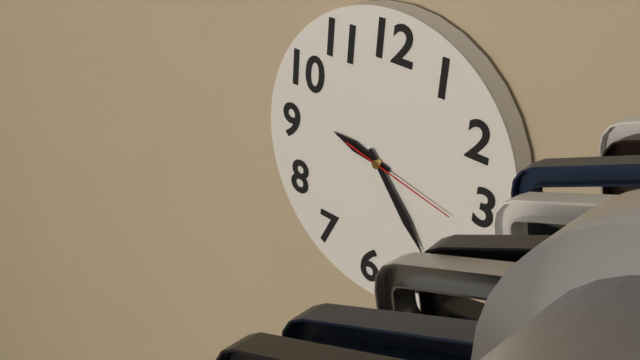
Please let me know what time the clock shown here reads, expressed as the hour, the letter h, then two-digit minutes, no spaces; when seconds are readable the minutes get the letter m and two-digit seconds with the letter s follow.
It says 9h23m17s
